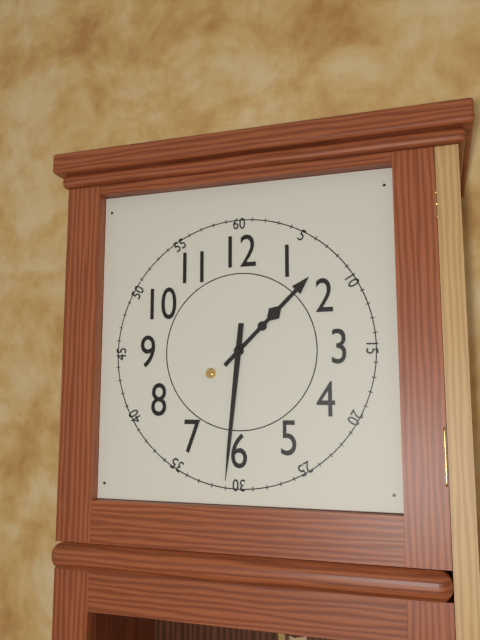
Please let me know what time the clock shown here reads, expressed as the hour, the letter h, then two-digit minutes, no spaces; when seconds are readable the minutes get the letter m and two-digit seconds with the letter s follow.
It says 1h31
